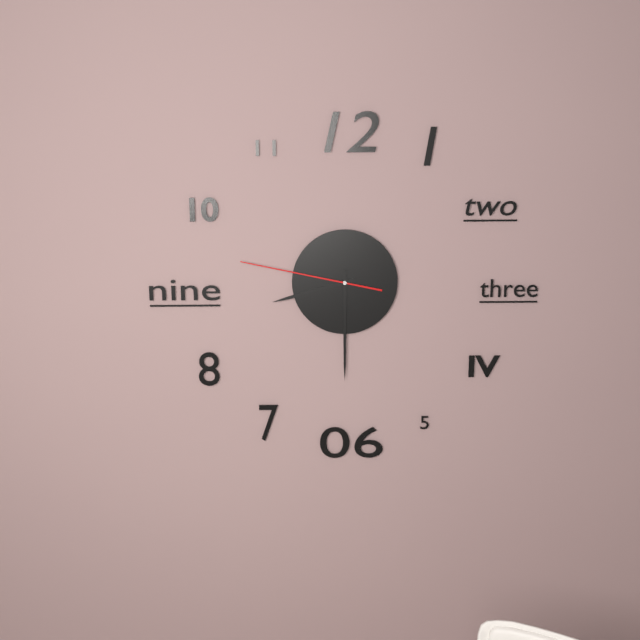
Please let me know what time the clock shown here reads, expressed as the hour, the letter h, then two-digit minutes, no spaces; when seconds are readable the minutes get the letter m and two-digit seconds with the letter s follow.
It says 8h30m47s
